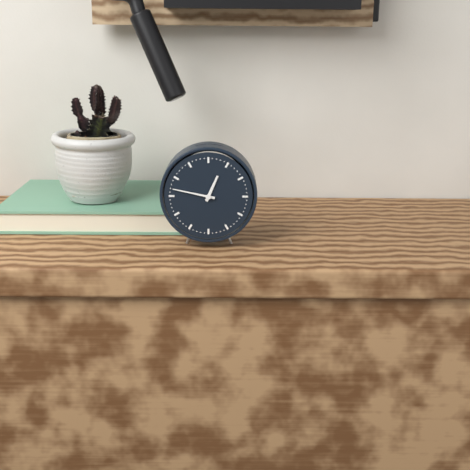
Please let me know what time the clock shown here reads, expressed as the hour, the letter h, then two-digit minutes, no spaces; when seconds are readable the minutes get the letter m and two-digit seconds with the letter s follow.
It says 12h47
